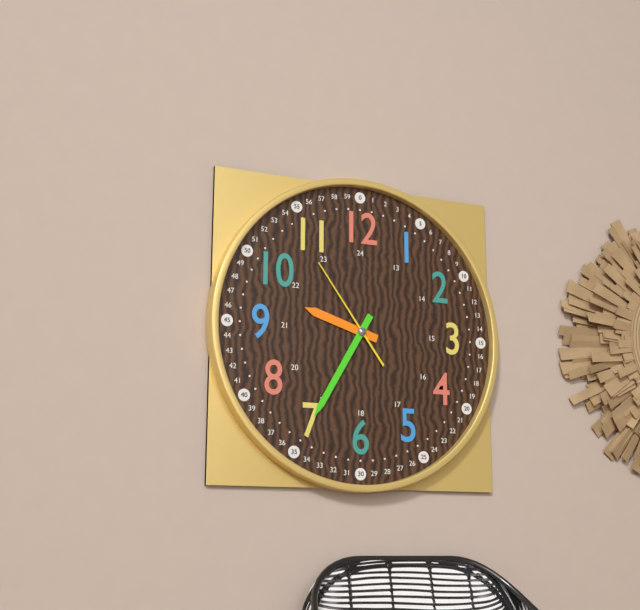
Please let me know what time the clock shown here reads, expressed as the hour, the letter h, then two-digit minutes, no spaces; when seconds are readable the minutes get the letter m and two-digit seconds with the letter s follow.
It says 9h35m54s
